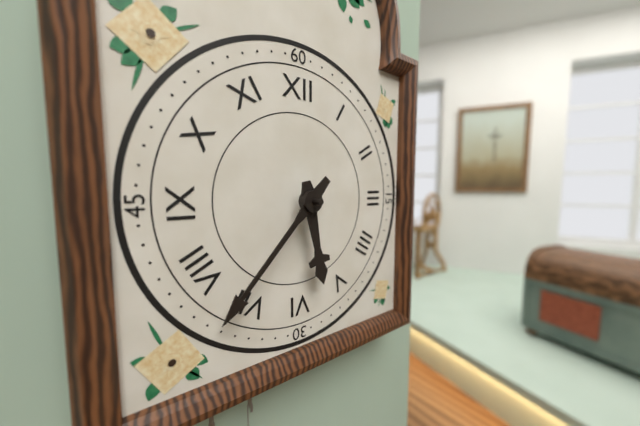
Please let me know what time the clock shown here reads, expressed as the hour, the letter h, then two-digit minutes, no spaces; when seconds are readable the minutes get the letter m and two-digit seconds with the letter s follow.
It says 5h37
